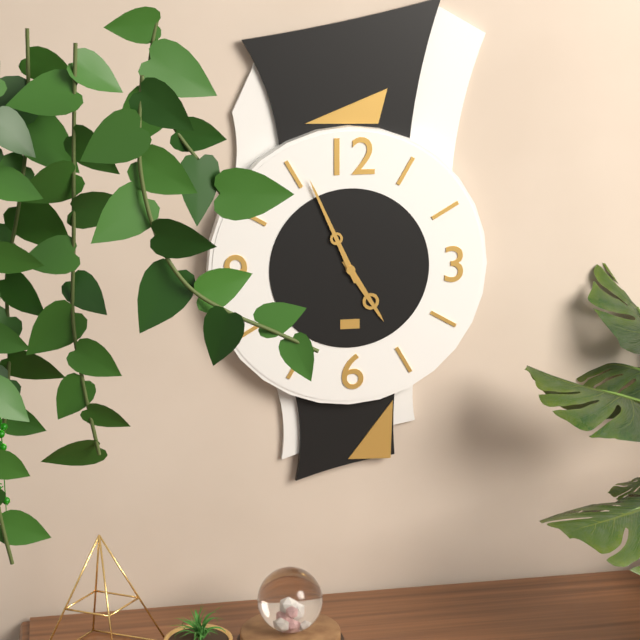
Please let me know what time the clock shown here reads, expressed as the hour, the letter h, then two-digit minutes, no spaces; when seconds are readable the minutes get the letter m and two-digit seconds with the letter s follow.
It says 4h56
